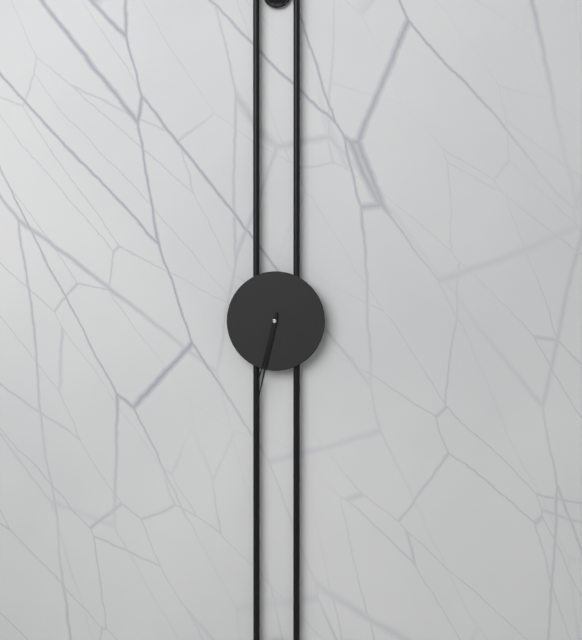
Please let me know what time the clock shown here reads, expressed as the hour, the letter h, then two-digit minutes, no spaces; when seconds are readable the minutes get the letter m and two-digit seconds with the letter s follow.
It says 6h32
